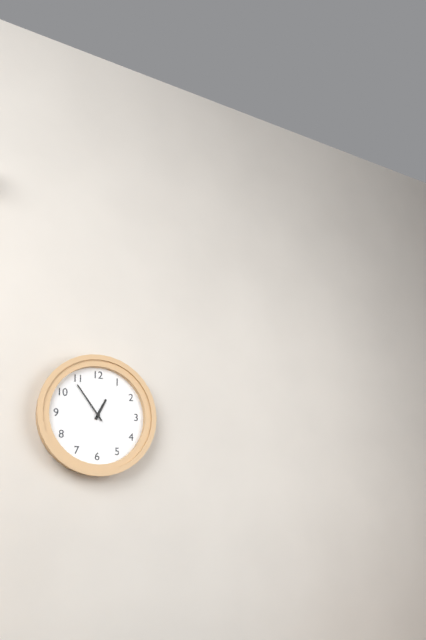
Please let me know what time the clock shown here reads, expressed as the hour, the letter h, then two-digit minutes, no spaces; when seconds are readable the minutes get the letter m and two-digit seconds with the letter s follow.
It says 12h54
